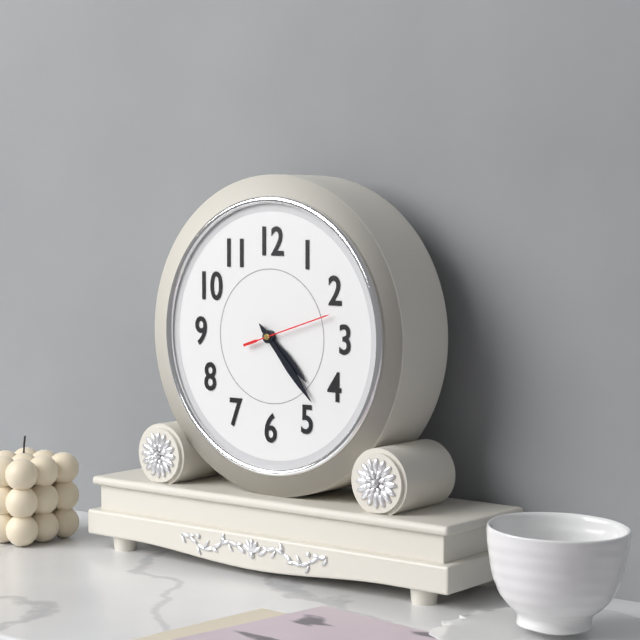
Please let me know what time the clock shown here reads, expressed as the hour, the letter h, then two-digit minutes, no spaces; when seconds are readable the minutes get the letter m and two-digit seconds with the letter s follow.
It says 4h23m12s
